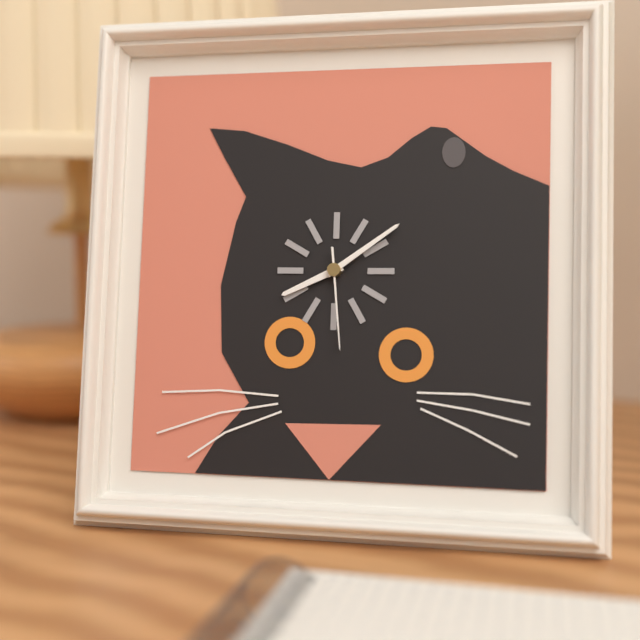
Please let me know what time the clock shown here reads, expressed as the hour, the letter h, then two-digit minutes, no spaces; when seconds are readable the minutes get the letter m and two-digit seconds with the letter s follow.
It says 8h09m29s
